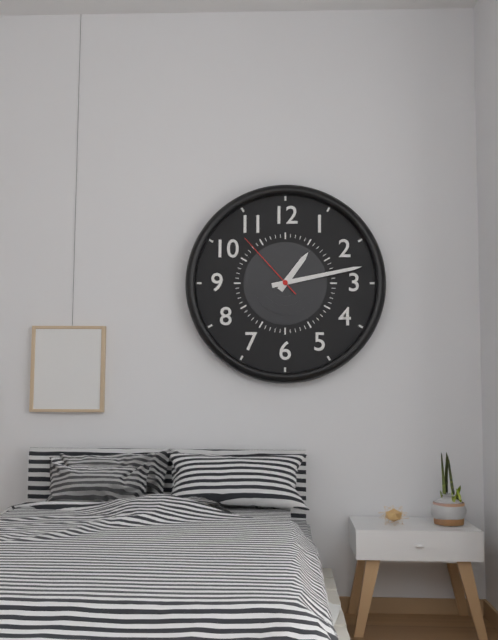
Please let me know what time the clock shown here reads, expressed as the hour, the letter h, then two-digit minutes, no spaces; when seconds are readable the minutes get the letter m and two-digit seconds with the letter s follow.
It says 1h13m53s
